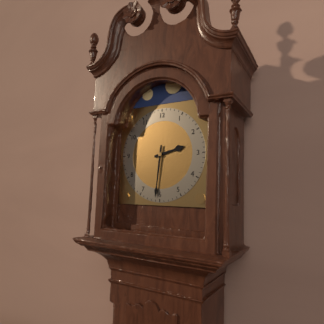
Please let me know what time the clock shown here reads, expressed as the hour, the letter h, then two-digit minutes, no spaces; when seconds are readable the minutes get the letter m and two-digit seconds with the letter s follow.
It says 2h31
